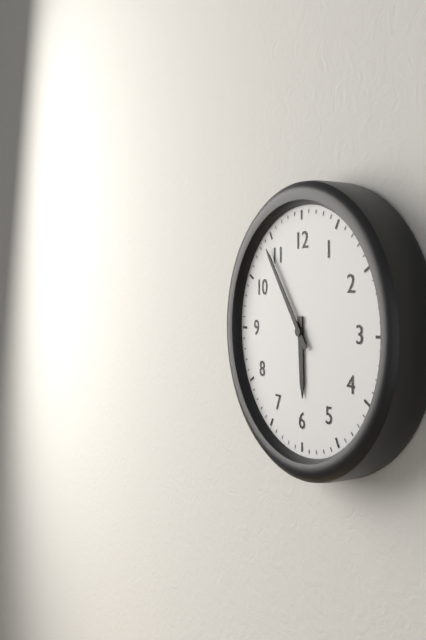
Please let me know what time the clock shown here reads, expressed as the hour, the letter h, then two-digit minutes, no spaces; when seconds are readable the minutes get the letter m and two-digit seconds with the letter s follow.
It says 5h54
